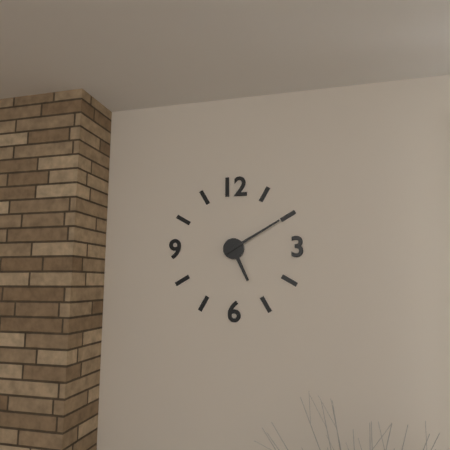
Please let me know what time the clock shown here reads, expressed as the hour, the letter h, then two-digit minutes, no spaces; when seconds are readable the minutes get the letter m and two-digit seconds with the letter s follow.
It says 5h10
